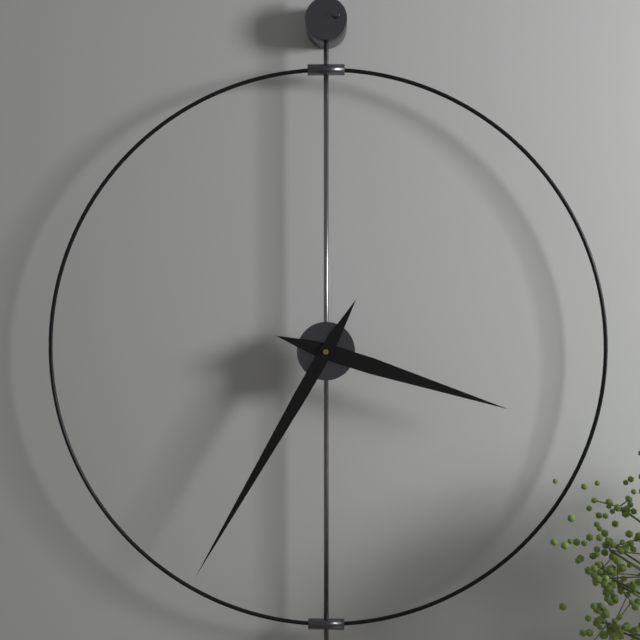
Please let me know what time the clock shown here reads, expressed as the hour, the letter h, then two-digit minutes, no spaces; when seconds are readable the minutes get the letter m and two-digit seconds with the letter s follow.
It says 3h35
